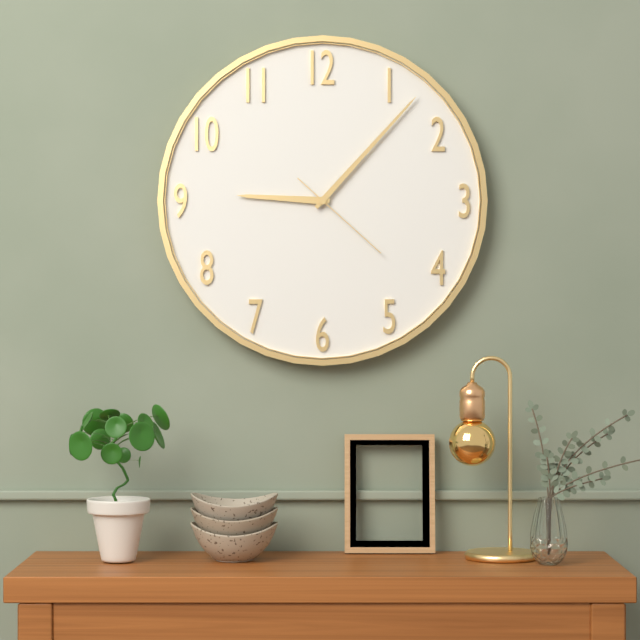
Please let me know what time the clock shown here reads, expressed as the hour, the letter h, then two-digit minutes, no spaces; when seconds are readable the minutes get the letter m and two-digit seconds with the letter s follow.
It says 9h07m22s
